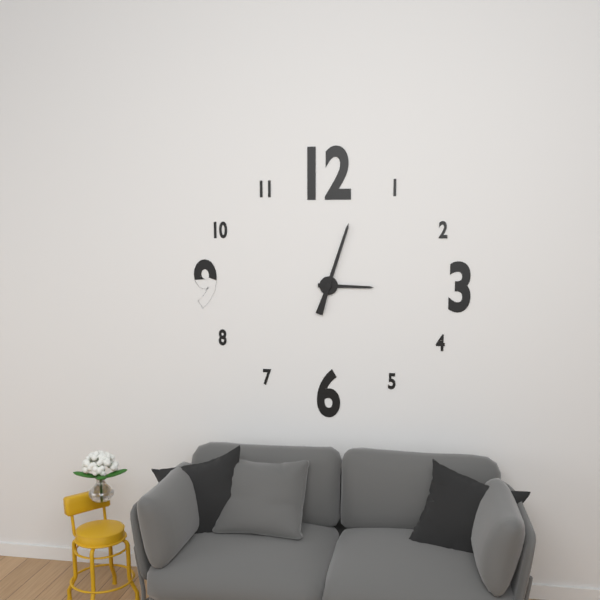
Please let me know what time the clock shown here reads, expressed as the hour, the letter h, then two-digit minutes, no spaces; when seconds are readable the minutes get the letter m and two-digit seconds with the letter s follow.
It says 3h03
